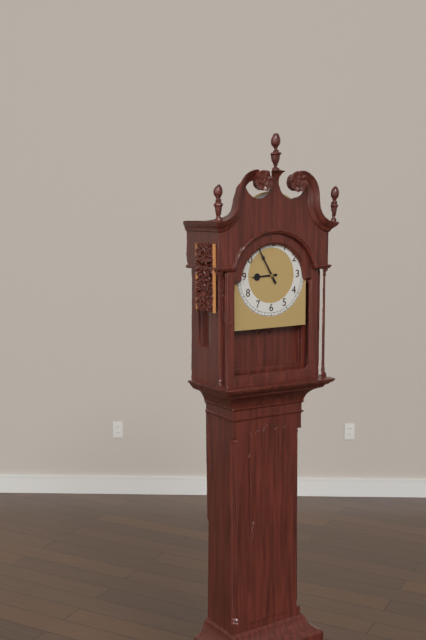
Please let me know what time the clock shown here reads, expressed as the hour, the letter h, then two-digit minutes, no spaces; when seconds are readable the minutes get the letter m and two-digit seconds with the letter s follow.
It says 8h55
